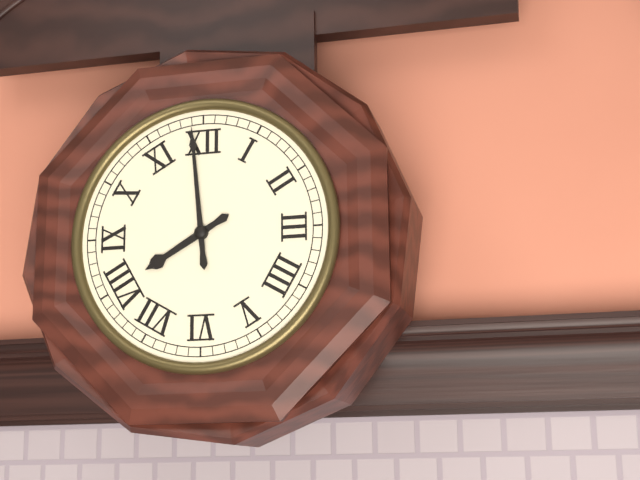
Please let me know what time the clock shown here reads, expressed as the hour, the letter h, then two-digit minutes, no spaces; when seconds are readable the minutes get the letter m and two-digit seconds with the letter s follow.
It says 7h59
